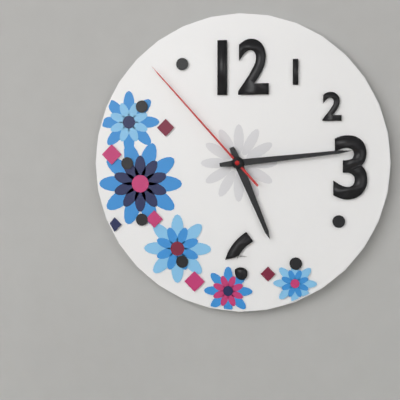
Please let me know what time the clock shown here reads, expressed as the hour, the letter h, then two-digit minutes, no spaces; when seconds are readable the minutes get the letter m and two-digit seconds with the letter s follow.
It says 5h14m53s
